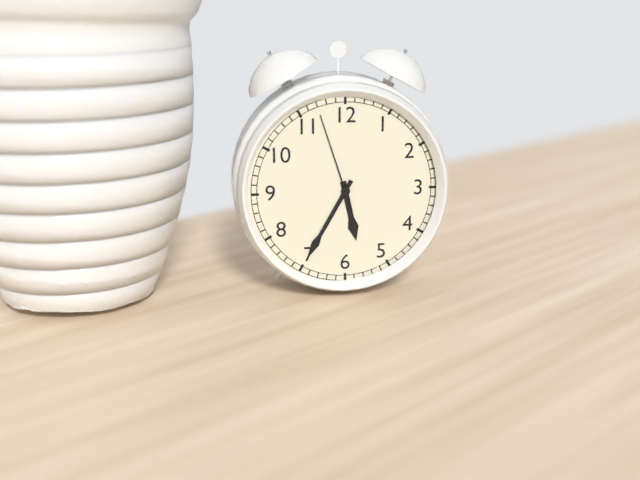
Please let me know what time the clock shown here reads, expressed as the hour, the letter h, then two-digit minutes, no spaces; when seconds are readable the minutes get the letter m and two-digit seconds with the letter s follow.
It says 5h35m57s
